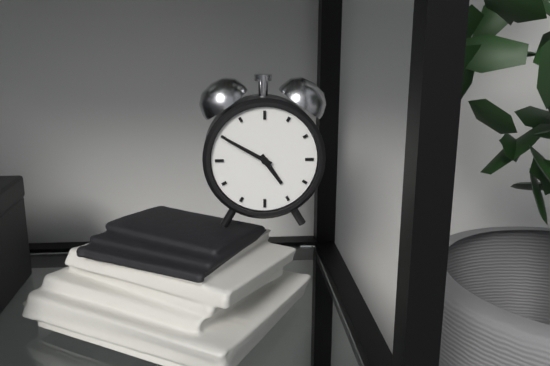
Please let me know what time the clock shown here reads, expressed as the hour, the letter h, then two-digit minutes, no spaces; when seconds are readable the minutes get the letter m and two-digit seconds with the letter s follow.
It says 4h50
